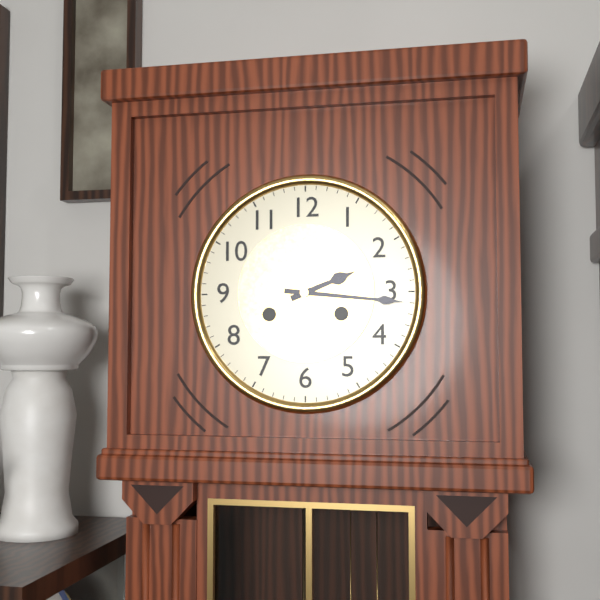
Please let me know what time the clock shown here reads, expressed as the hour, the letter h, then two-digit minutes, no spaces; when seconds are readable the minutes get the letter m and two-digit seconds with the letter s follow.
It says 2h16
